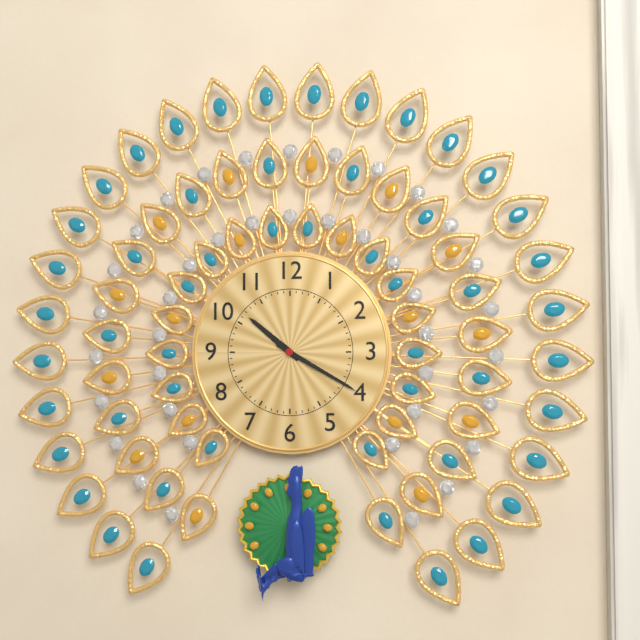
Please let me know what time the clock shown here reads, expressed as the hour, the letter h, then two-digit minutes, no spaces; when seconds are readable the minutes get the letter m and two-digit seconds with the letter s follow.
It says 10h20
